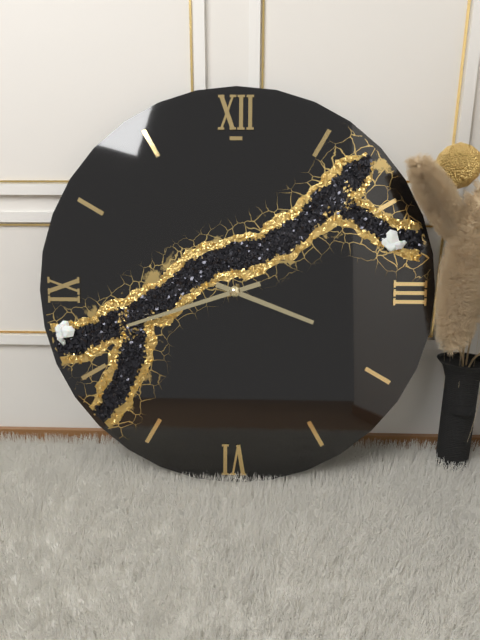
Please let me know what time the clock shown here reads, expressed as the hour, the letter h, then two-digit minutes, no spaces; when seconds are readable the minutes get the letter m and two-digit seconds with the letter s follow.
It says 3h42
